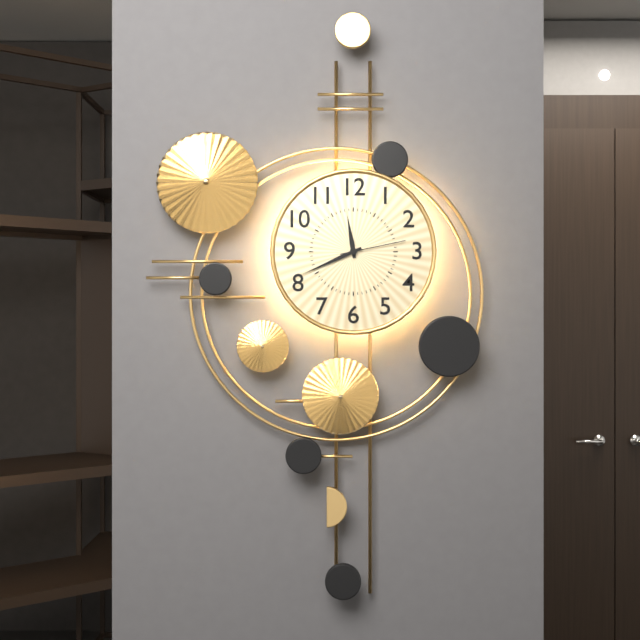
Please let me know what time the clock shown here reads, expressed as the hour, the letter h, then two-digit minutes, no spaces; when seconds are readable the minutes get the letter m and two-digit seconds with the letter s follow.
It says 11h41m13s
